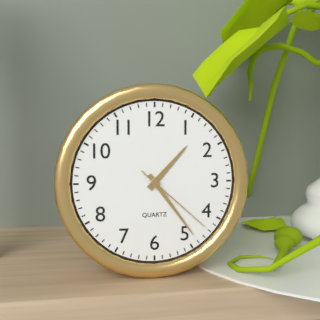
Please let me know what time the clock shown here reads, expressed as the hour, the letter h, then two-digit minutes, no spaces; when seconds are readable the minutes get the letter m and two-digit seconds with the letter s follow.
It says 1h24m22s
